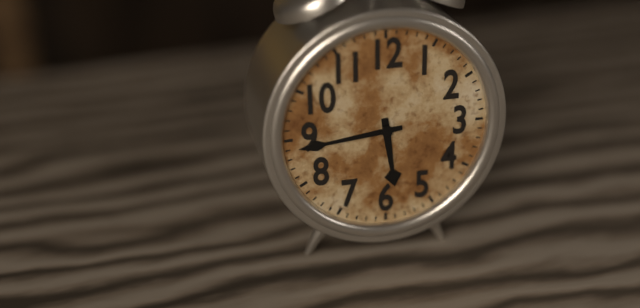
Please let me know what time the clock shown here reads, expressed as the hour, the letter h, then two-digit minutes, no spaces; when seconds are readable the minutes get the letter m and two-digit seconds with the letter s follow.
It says 5h44
